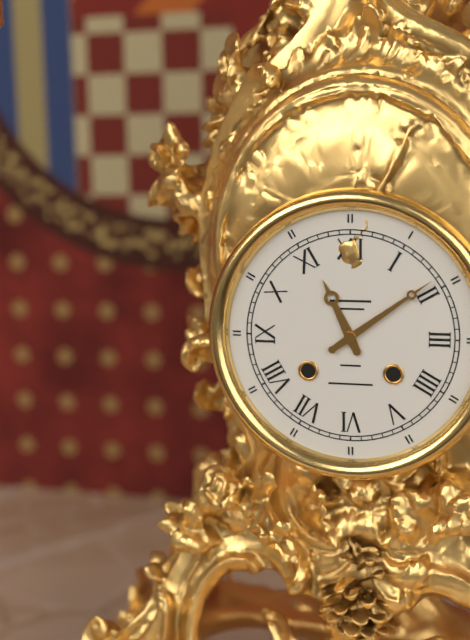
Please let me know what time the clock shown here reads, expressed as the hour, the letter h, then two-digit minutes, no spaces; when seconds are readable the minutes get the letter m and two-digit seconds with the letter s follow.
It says 11h09
